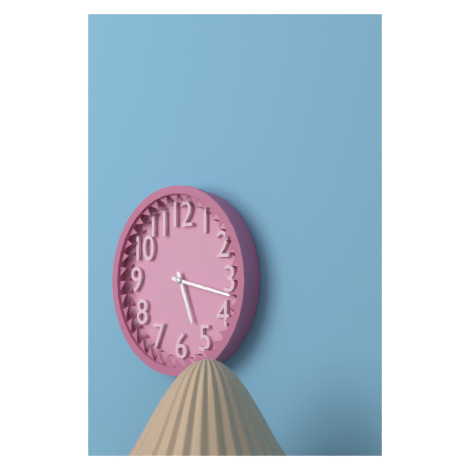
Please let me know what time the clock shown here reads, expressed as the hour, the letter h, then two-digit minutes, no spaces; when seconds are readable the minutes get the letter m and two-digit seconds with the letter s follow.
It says 5h17
